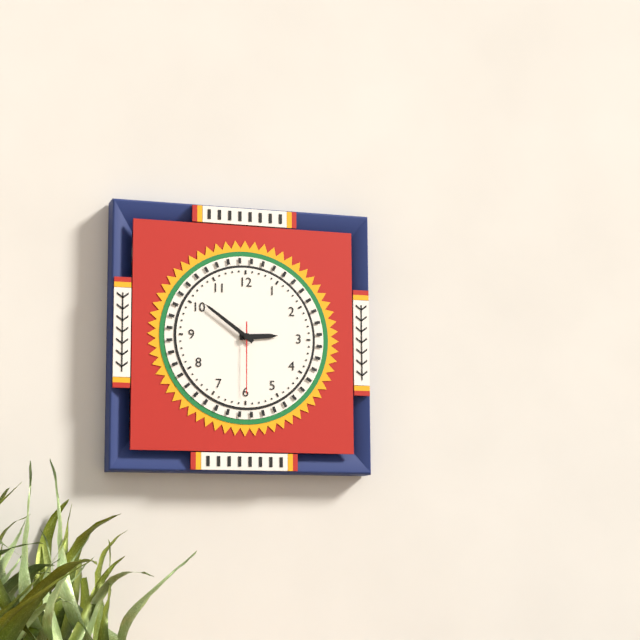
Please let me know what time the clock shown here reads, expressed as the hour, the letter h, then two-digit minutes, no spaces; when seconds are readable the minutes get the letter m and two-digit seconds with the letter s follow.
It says 2h51m30s
